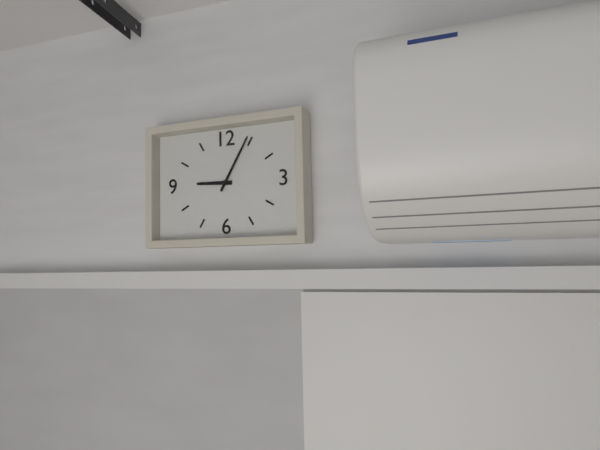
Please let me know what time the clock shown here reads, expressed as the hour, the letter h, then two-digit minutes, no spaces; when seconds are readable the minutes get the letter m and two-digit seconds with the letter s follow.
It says 9h05
